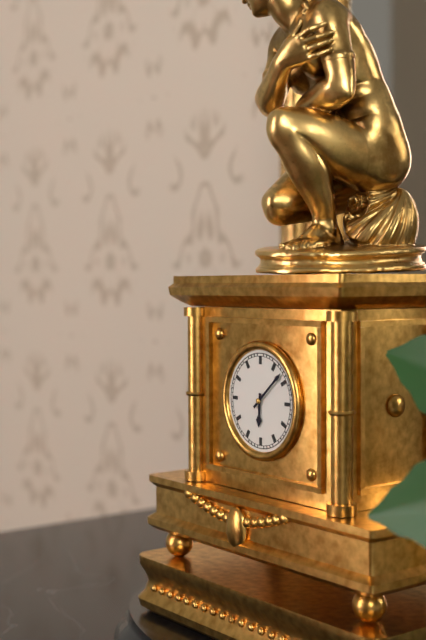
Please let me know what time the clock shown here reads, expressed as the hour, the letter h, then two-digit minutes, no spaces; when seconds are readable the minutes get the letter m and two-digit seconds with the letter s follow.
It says 6h08
